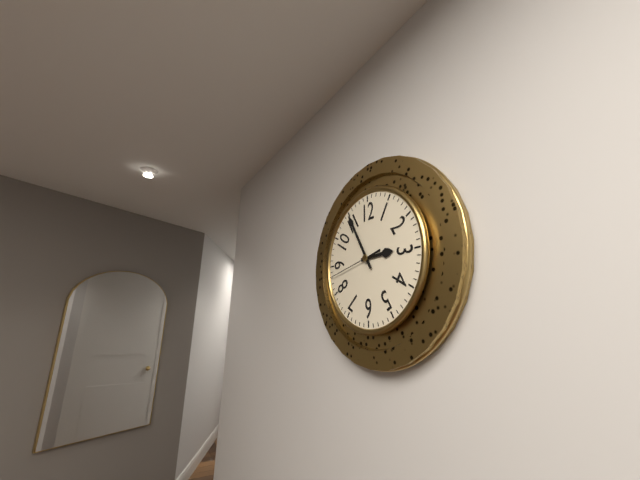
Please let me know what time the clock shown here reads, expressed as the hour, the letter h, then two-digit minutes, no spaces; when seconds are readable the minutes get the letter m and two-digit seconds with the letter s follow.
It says 2h55m43s
